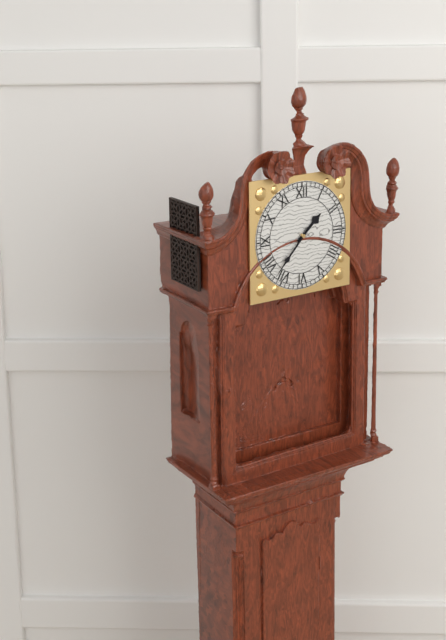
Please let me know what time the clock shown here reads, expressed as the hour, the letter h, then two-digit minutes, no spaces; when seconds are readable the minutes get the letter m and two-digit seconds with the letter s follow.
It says 1h37
